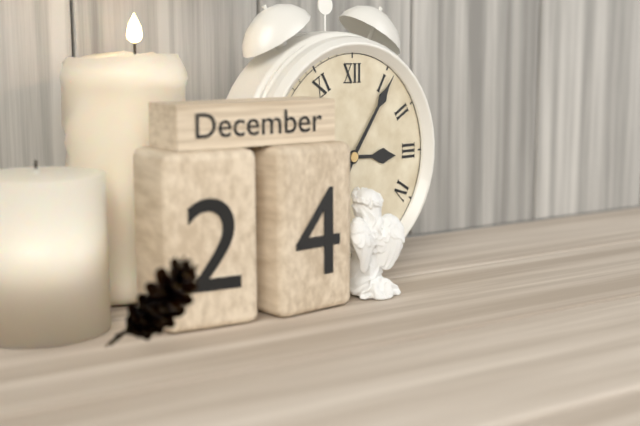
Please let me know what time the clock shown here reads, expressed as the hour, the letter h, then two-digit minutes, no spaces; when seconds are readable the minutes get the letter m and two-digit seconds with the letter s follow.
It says 3h06
